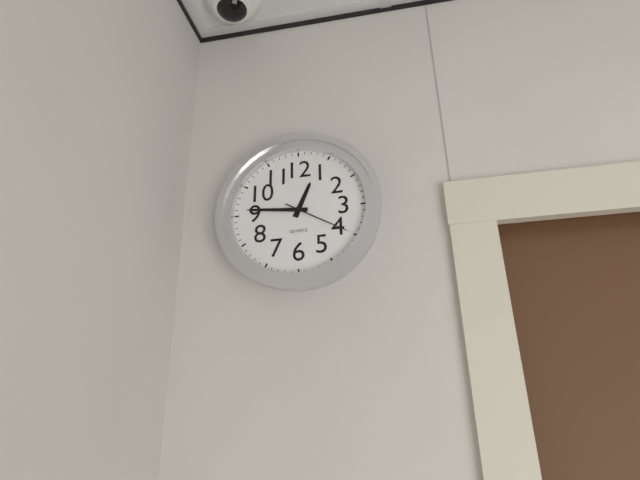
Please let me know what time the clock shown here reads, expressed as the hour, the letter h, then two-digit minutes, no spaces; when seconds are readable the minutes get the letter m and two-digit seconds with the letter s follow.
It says 12h46m20s
